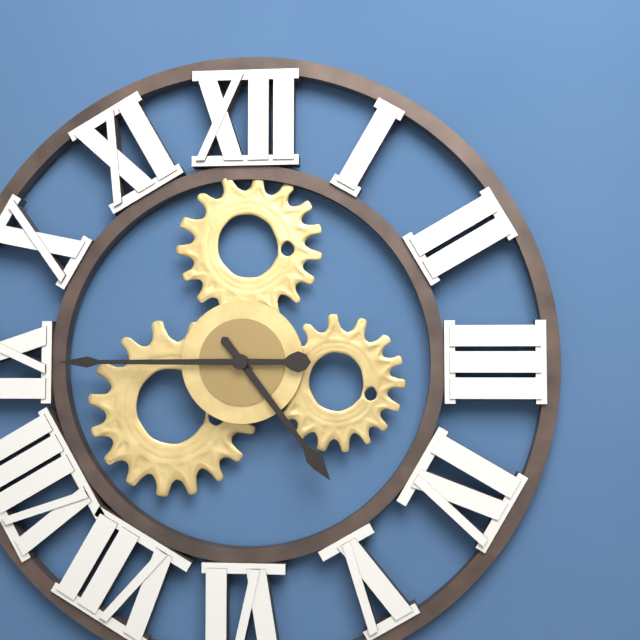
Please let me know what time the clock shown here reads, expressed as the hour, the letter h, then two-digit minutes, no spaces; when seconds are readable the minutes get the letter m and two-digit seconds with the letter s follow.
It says 4h45
